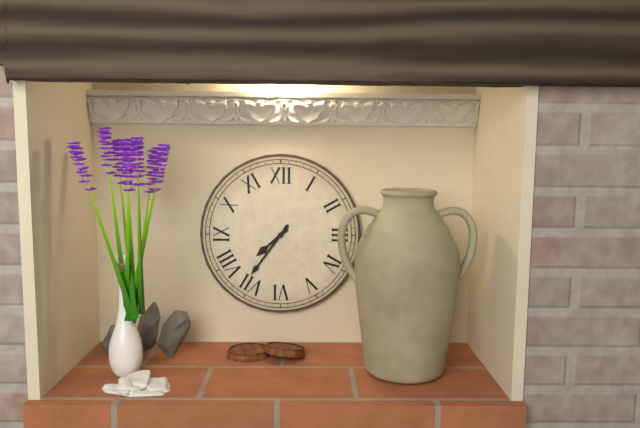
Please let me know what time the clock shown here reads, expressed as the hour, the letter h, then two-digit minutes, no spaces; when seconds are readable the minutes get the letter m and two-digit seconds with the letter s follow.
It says 7h36
